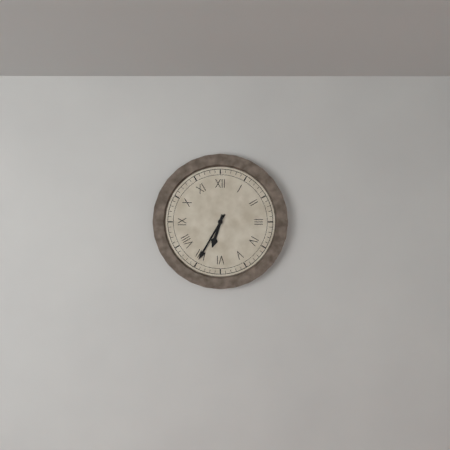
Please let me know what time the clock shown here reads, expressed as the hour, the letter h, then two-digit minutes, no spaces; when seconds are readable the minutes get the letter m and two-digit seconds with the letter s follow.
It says 6h35
